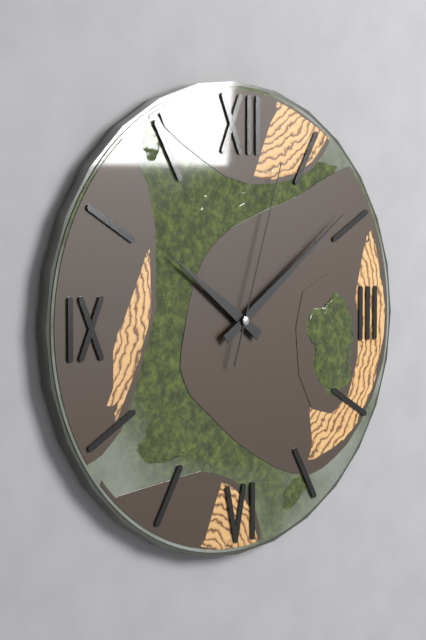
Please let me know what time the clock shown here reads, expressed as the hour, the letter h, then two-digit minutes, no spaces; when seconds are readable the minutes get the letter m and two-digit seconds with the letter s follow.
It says 10h09m03s
